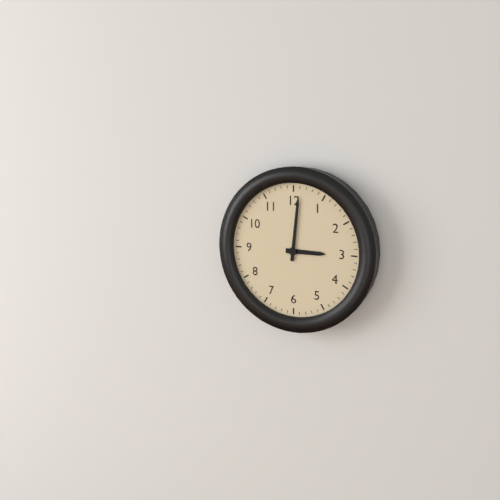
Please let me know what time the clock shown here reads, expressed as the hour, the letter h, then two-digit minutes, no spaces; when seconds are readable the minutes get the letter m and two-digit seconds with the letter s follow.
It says 3h01
